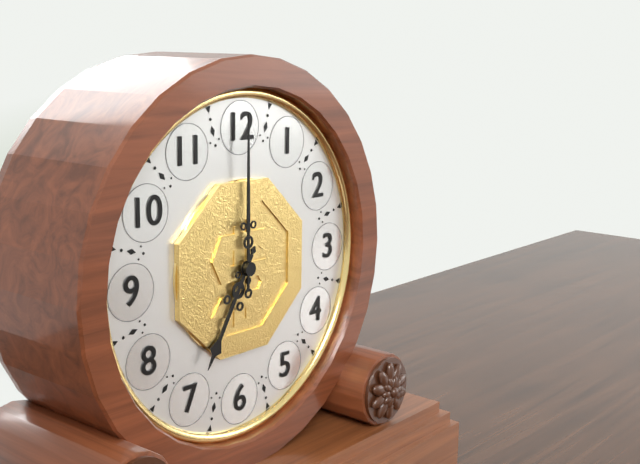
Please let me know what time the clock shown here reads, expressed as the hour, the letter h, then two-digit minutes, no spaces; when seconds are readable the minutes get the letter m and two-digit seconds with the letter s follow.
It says 7h00
